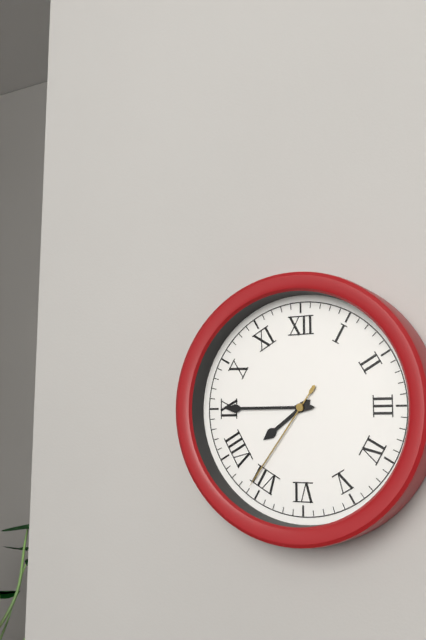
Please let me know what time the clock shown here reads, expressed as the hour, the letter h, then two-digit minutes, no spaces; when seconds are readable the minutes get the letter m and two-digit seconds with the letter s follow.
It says 7h45m36s
